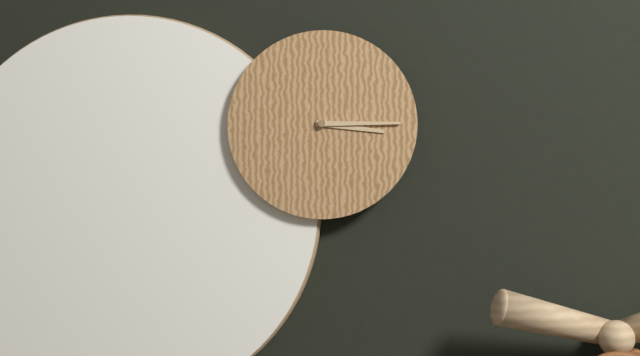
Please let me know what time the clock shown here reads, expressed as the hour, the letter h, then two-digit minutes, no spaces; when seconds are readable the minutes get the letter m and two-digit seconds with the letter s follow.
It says 3h15
